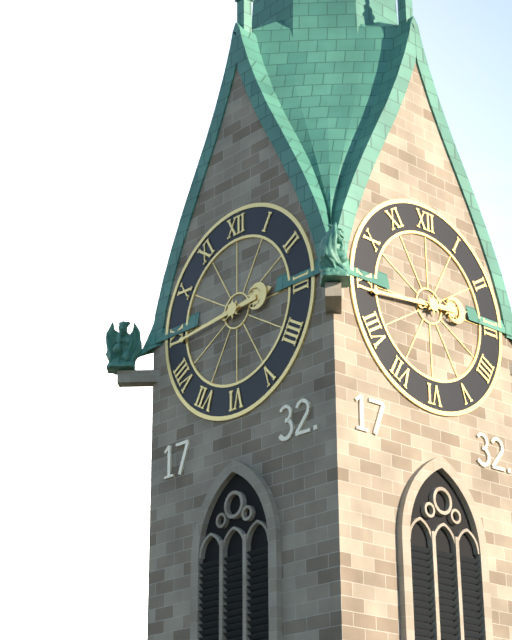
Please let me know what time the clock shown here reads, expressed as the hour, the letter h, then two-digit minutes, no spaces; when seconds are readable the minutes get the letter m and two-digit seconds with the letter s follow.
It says 2h44
